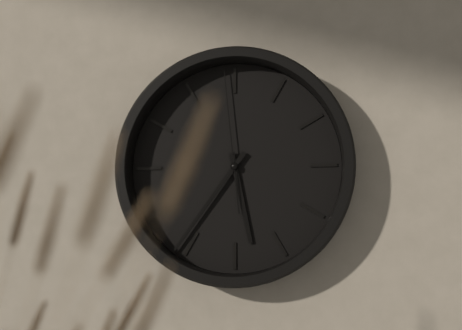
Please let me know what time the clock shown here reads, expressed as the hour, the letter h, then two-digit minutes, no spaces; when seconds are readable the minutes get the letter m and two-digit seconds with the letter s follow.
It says 5h36m59s
